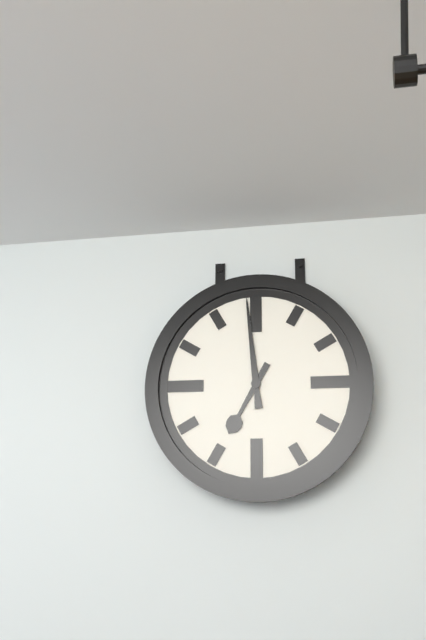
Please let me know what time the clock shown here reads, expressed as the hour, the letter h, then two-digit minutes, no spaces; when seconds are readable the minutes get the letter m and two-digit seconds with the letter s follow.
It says 6h59
